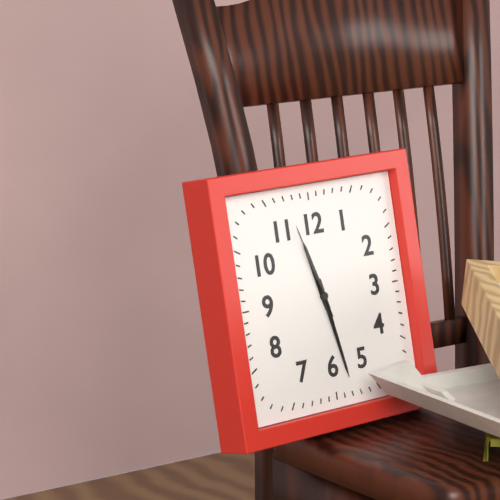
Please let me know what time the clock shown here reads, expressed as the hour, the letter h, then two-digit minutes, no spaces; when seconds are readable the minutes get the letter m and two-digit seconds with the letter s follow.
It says 11h28m57s
